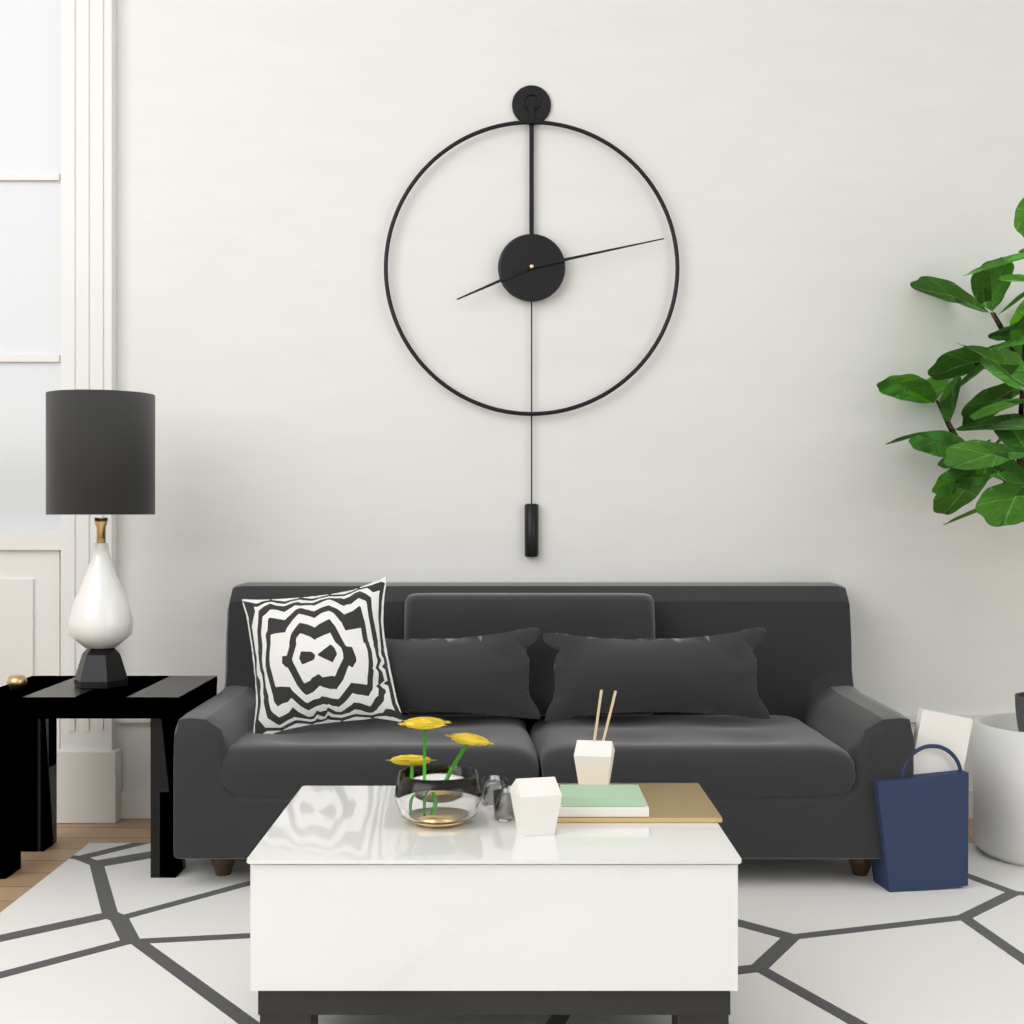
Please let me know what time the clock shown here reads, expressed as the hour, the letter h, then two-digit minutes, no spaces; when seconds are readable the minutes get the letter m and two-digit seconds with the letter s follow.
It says 8h13
